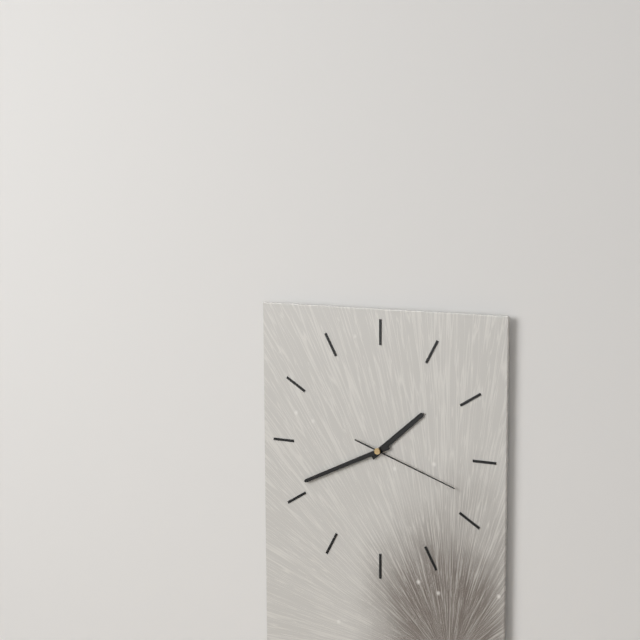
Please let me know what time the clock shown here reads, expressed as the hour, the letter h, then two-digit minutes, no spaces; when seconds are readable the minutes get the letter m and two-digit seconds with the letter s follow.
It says 1h41m18s
